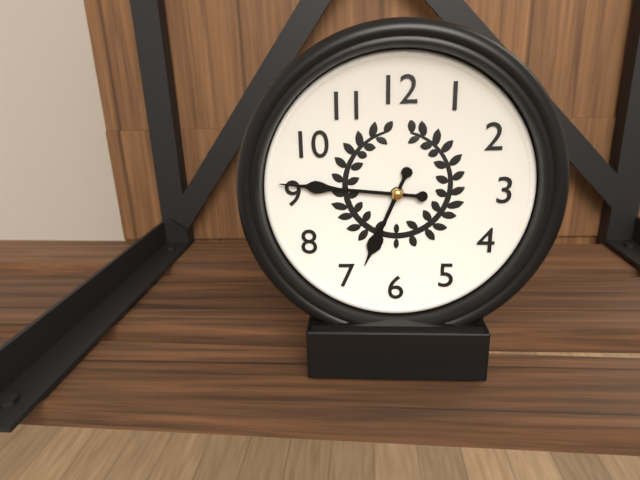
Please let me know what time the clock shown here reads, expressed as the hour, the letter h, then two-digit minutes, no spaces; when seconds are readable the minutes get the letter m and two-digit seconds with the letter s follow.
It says 6h46
